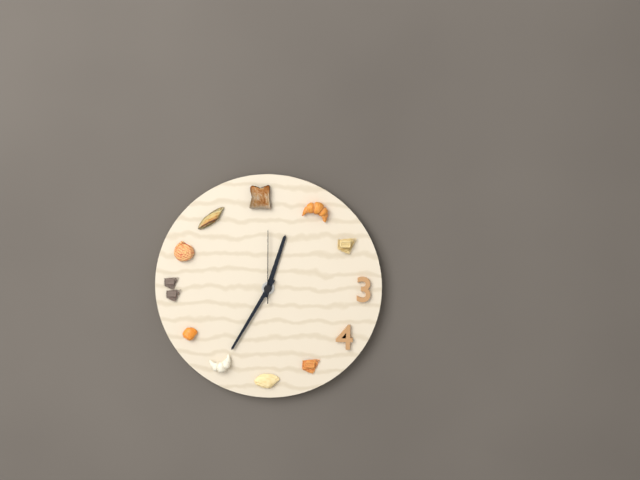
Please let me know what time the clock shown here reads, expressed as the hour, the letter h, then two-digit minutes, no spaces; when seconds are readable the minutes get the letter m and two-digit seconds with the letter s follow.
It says 12h35m00s
